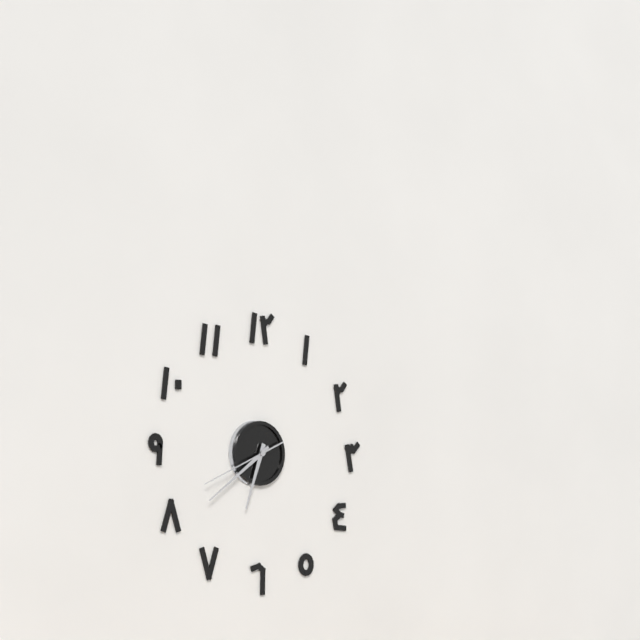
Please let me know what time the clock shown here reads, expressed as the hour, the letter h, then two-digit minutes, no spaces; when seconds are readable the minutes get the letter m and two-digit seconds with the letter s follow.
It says 6h39m41s
